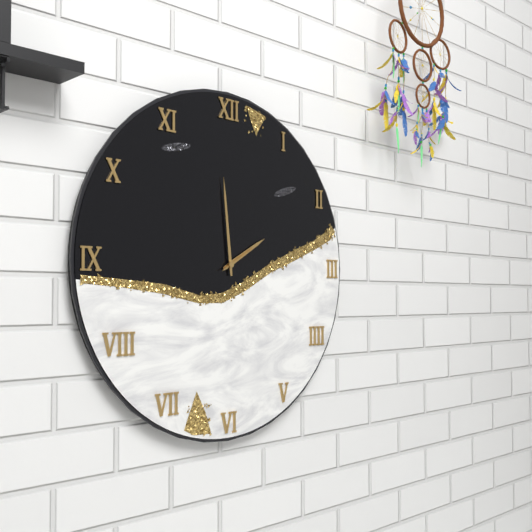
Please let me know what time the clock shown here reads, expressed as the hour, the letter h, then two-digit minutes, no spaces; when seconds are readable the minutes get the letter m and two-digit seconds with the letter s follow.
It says 1h59m10s
